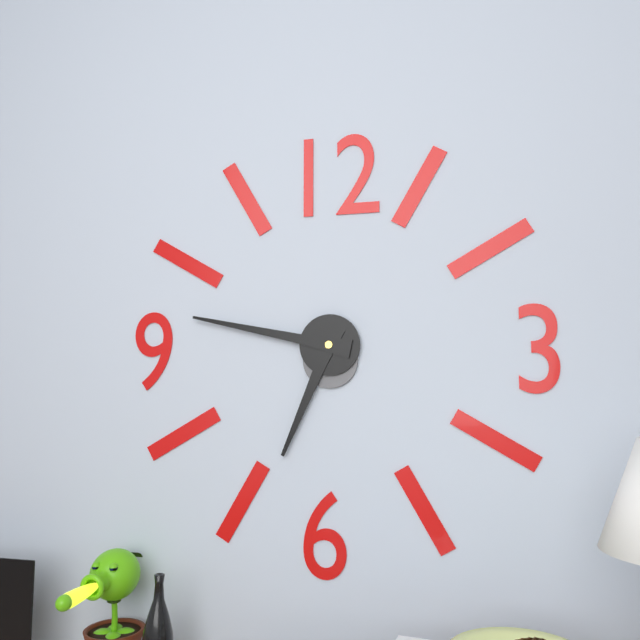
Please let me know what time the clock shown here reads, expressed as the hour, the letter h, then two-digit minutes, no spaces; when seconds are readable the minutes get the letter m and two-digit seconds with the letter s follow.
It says 6h47
